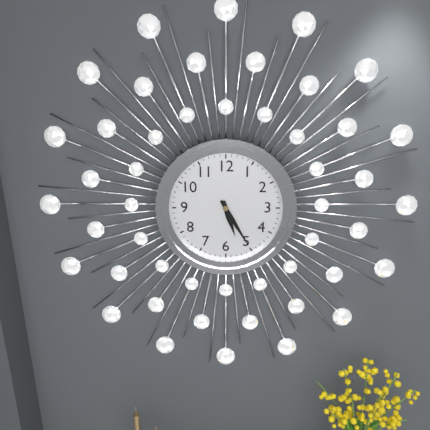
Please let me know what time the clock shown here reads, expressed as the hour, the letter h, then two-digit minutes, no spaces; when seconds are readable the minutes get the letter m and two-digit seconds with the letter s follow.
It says 5h25
